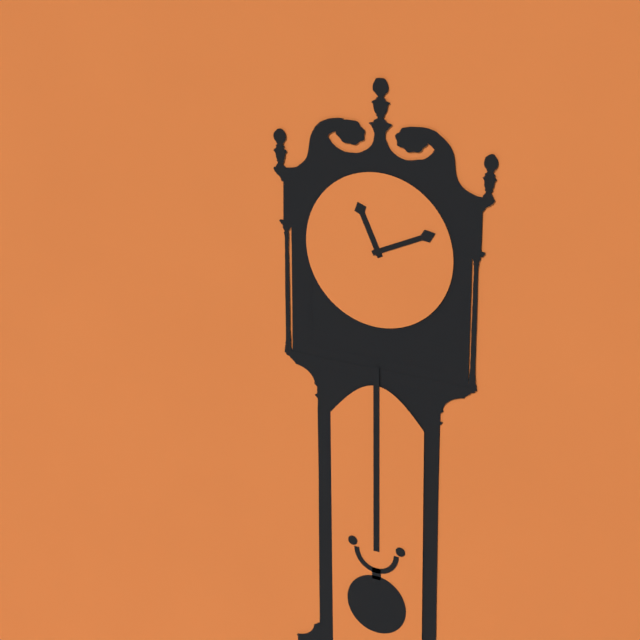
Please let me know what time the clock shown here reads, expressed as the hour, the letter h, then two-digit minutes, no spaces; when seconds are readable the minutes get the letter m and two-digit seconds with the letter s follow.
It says 11h11
